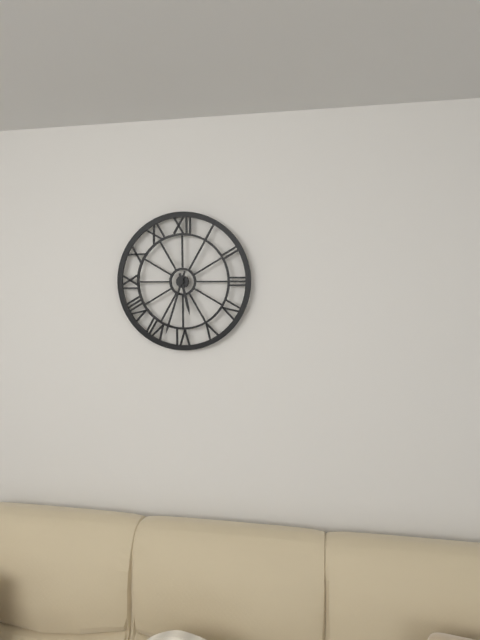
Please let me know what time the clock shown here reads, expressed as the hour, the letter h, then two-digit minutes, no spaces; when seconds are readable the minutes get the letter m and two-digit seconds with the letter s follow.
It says 5h33
